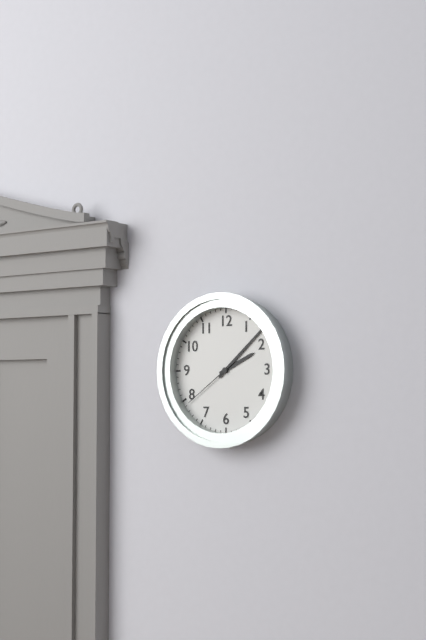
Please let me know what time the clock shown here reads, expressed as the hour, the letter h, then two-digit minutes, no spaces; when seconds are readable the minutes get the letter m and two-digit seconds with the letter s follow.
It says 2h08m39s
